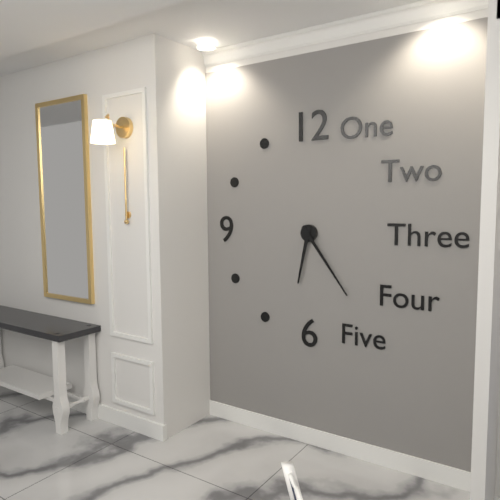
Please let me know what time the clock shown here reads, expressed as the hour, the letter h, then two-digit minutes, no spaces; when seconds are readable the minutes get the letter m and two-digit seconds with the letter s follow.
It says 6h24
